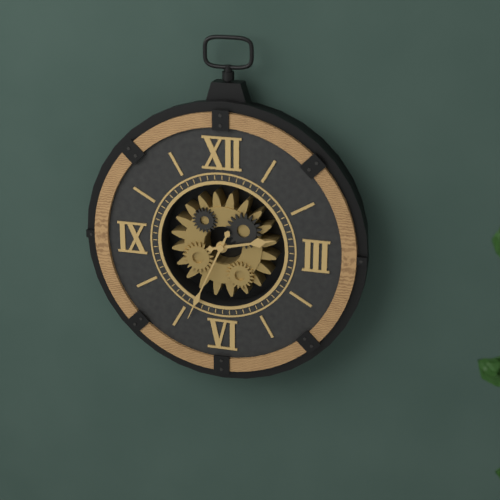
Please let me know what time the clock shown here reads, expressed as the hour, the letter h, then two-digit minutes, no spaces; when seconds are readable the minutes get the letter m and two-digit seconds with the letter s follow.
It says 2h34
